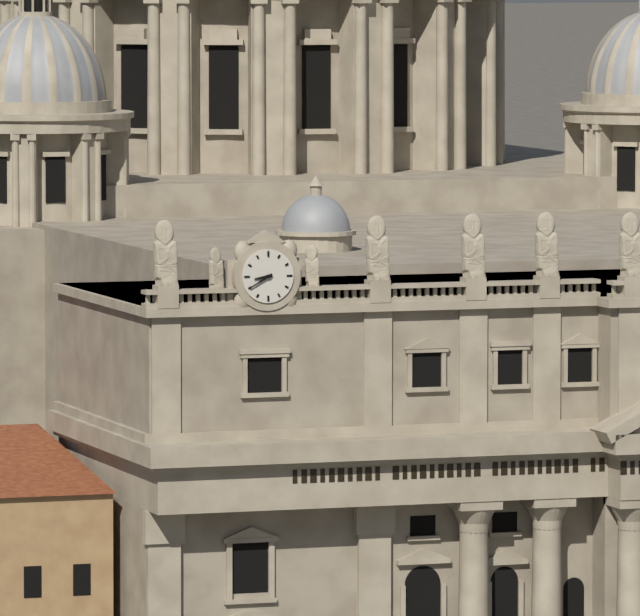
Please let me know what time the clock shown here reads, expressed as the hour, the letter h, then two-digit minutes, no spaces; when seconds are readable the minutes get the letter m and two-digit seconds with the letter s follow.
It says 8h40
